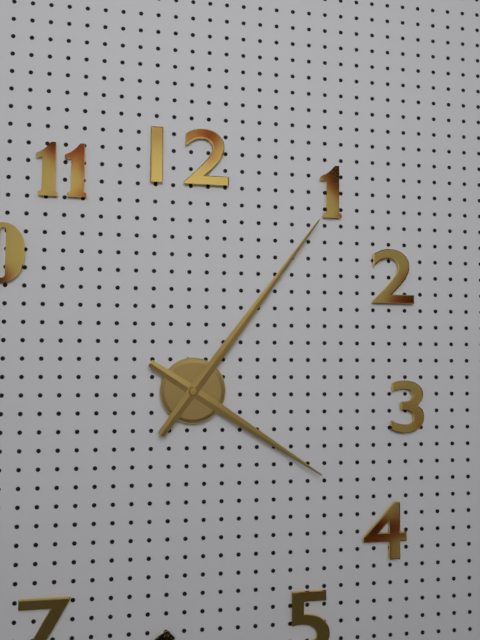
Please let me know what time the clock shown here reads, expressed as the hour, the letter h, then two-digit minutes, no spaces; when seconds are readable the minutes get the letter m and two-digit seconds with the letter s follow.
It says 4h06
